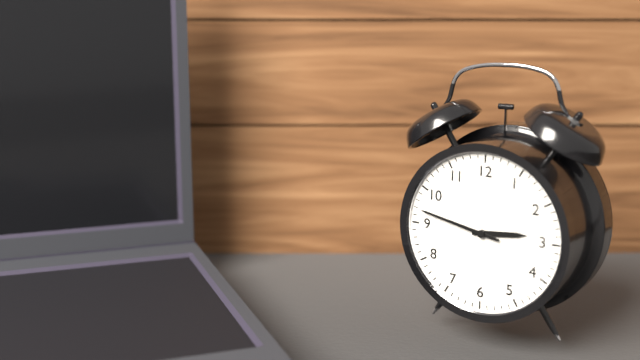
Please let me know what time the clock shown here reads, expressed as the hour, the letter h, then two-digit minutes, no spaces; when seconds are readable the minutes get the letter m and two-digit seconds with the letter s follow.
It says 2h47
